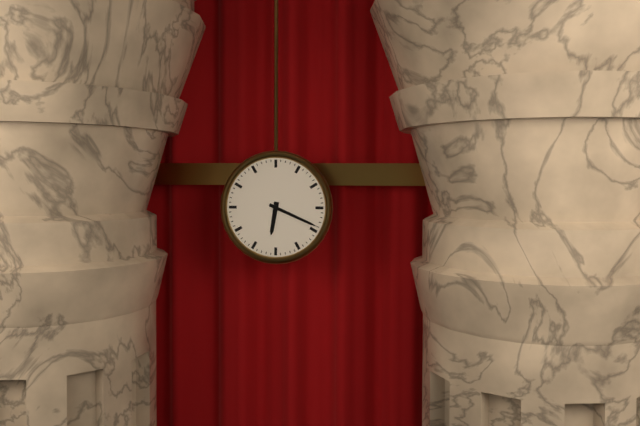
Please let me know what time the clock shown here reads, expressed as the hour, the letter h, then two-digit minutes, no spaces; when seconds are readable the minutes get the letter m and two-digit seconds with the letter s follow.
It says 6h19
